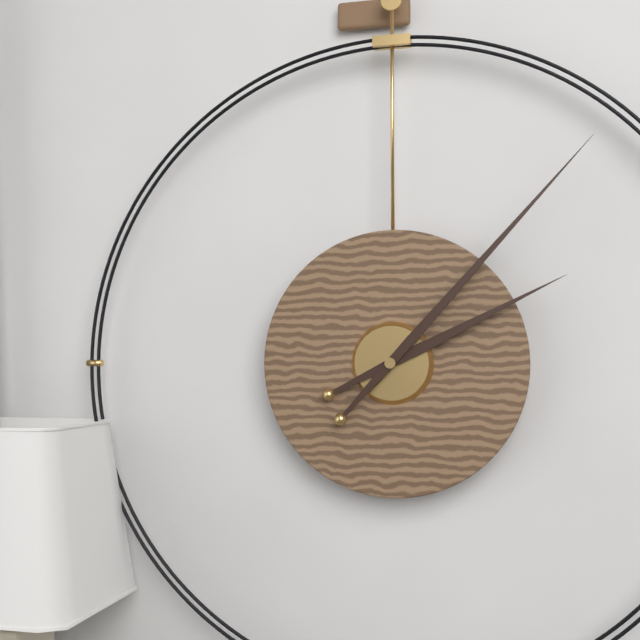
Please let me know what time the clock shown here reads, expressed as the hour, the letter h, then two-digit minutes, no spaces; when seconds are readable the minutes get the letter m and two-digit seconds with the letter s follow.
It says 2h07
